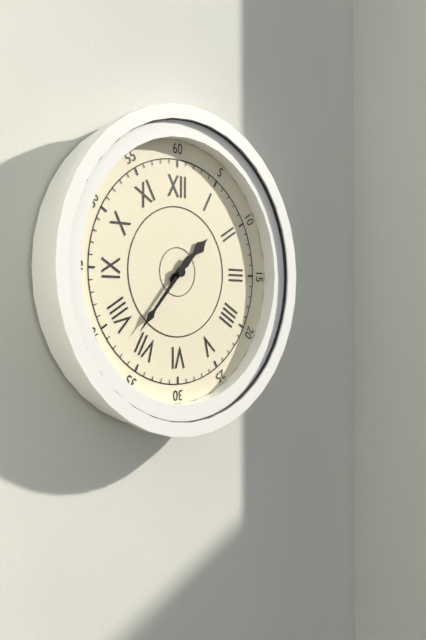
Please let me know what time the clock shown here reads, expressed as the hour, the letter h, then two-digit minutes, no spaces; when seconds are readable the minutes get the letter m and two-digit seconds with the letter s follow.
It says 1h37
